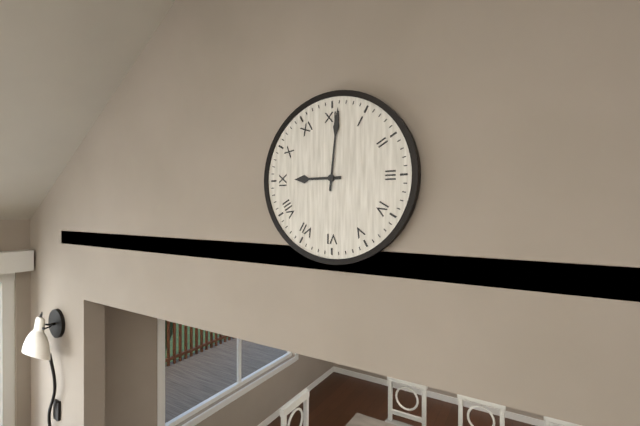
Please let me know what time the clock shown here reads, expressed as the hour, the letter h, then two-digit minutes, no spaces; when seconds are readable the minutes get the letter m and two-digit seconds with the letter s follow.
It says 9h01
